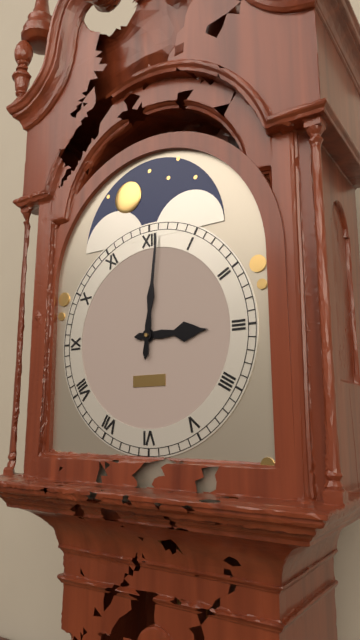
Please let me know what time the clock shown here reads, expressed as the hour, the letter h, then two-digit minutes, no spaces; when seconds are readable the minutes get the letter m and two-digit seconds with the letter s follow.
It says 3h01
